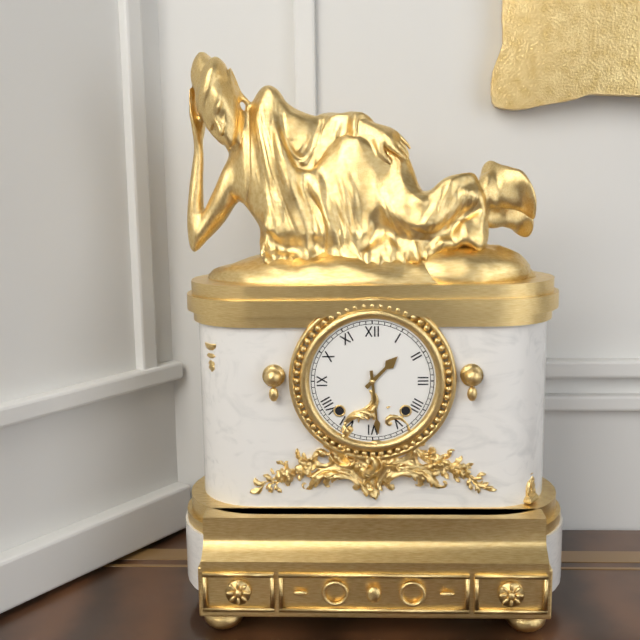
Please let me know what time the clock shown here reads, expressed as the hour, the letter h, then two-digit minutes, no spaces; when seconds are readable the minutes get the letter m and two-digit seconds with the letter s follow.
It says 1h29
